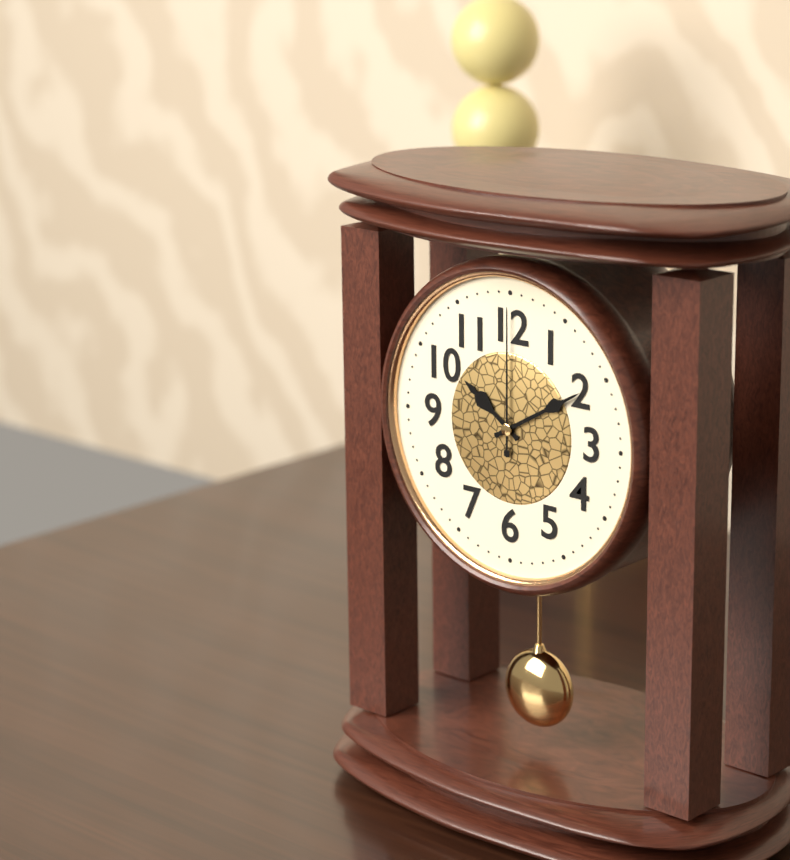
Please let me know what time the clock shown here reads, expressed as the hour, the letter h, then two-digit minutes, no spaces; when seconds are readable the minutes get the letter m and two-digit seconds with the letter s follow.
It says 10h10m00s
